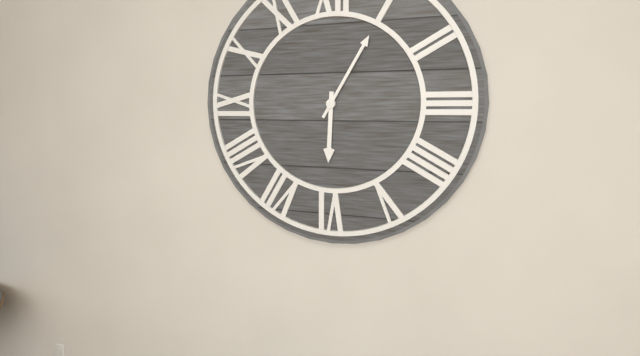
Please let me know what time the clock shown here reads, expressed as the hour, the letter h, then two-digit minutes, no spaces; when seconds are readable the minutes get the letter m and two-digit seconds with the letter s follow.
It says 6h05
